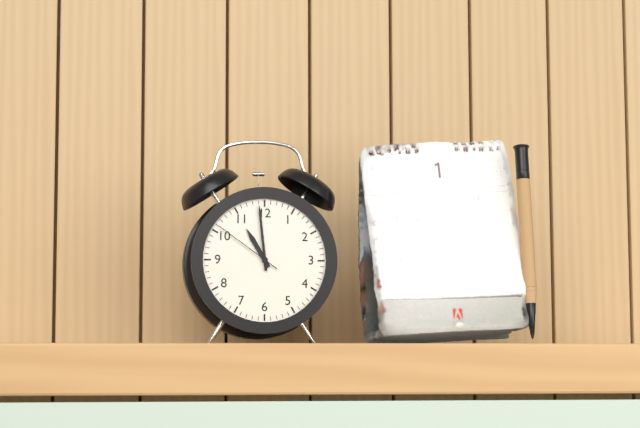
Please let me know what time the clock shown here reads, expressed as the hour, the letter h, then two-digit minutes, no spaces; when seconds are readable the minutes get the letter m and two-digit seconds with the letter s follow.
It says 10h59m51s
